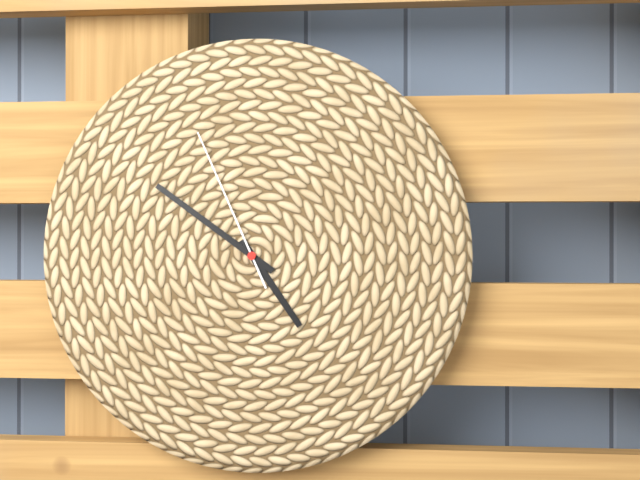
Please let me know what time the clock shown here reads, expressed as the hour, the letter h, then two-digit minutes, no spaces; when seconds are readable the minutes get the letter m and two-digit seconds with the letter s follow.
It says 4h51m56s
